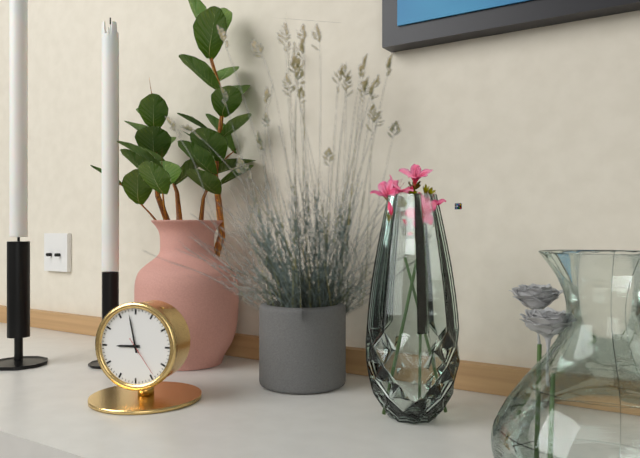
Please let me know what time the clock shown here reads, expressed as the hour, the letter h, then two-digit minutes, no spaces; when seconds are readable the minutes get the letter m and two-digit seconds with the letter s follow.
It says 8h58
